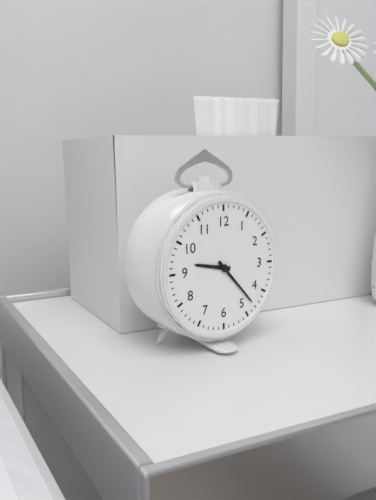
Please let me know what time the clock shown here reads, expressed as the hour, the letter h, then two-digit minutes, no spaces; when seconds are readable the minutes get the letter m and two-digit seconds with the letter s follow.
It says 9h23
